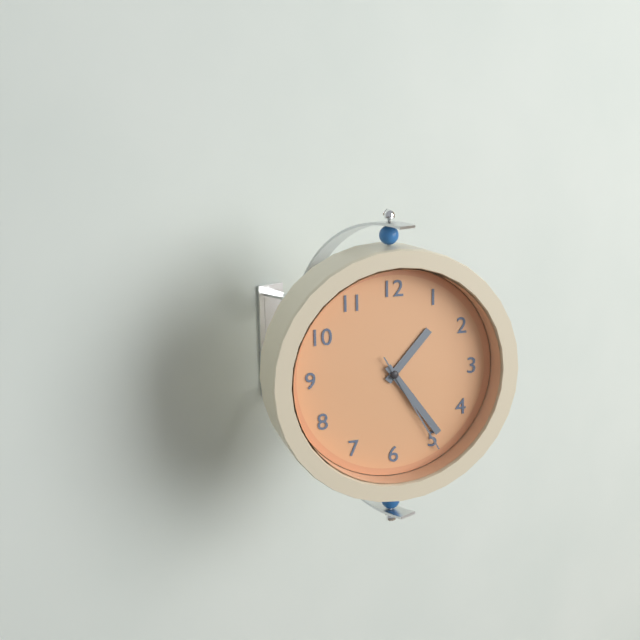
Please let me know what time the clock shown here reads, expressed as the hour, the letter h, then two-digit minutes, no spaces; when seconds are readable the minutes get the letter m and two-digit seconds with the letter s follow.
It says 1h24m25s
